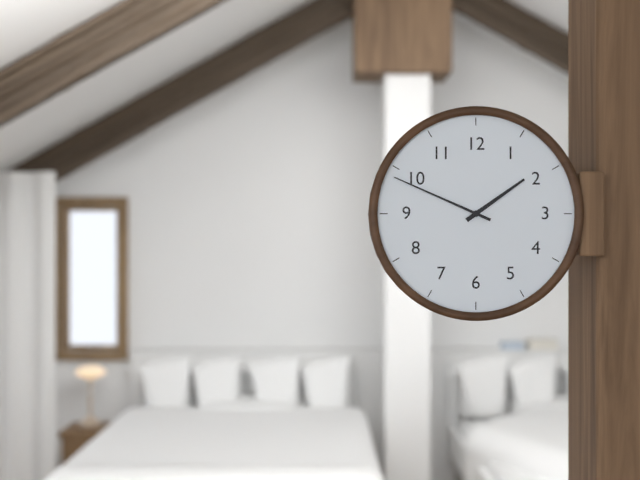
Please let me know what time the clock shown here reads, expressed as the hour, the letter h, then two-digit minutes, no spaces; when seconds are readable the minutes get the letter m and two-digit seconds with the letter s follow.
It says 1h49
